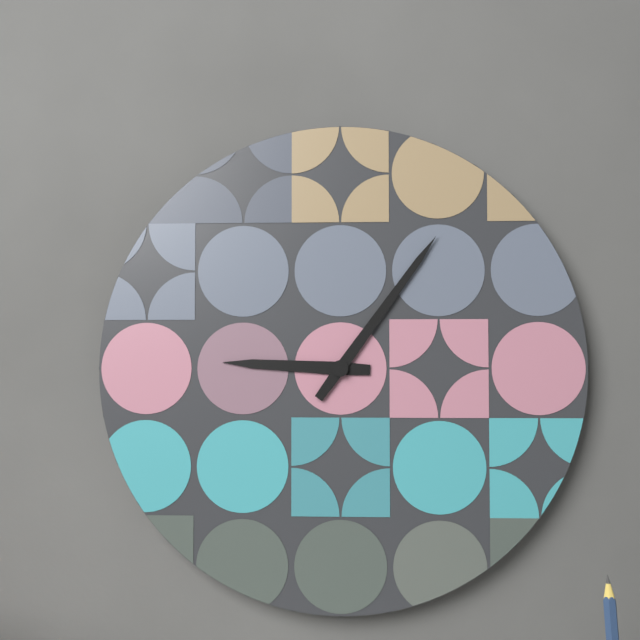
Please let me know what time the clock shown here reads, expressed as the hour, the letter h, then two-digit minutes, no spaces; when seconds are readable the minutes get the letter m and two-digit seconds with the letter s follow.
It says 9h06
